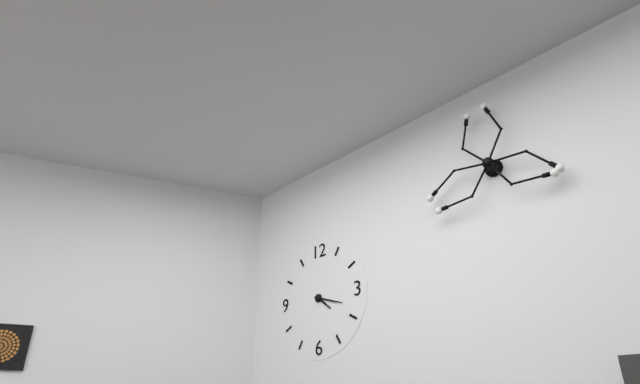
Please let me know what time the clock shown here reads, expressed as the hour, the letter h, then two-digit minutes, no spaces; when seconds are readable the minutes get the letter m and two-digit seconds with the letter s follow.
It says 4h18
